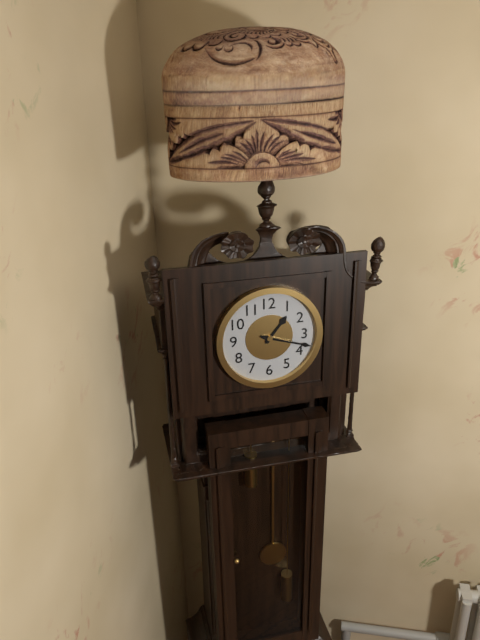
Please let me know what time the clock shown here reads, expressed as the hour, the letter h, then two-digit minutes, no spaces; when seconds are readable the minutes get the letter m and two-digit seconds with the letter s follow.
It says 1h18
